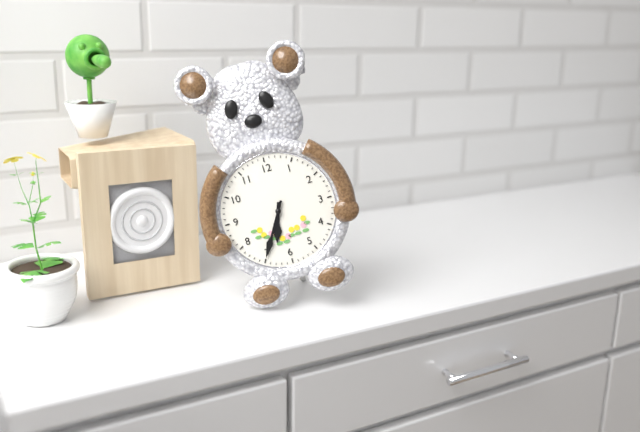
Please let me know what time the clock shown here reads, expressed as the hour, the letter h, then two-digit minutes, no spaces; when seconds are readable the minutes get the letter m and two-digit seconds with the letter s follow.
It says 6h35
